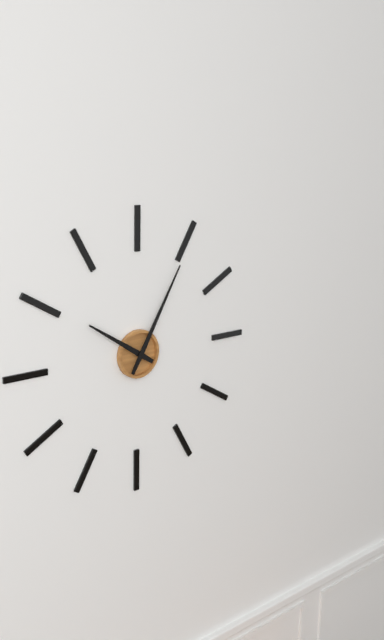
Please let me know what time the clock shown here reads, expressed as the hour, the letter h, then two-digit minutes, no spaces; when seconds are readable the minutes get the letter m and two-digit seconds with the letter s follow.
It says 10h05
